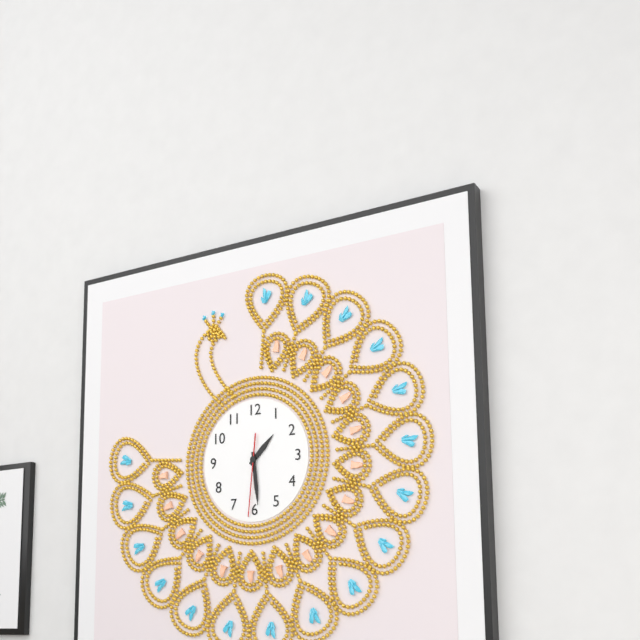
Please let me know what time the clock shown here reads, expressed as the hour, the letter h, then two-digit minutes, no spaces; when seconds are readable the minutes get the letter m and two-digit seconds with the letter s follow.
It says 1h29m31s
